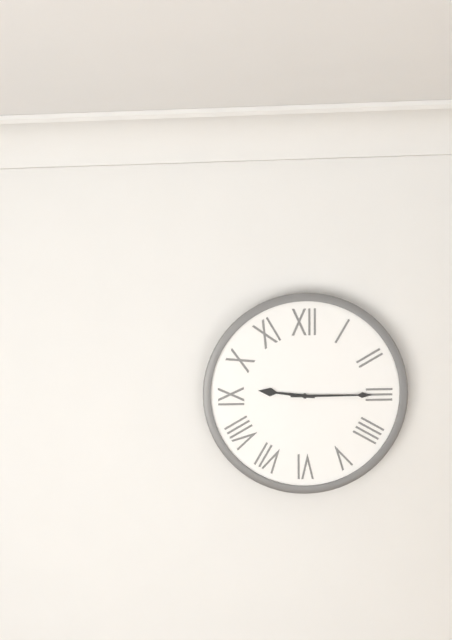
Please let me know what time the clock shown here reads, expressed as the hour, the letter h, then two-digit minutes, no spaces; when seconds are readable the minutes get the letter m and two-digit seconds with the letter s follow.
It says 9h15
